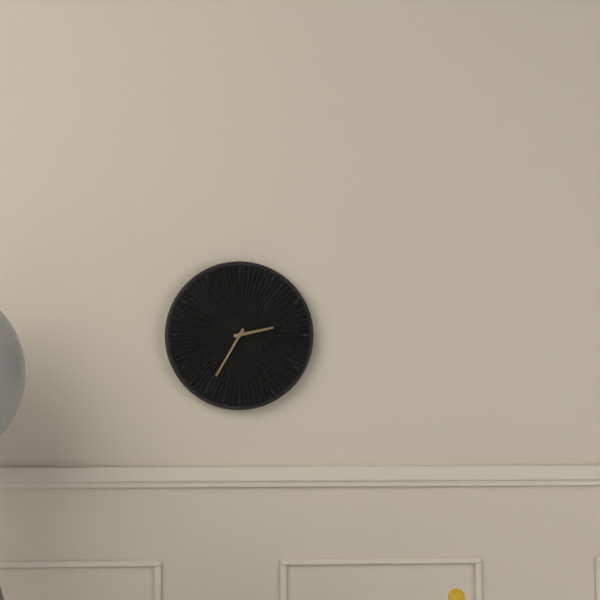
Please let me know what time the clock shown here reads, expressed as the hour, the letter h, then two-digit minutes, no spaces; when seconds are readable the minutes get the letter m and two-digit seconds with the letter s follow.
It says 2h35
